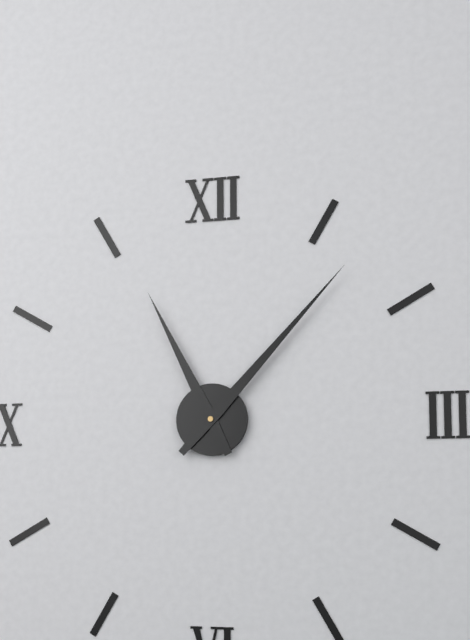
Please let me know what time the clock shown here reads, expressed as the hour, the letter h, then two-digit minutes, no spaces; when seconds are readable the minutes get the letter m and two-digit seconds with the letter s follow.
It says 11h07
